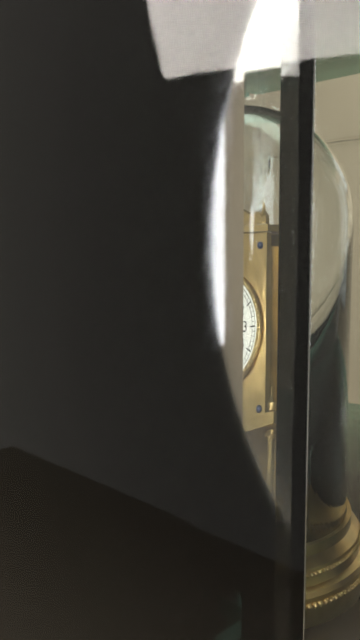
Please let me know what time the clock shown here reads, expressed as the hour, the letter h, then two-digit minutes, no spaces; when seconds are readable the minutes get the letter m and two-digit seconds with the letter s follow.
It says 8h58
